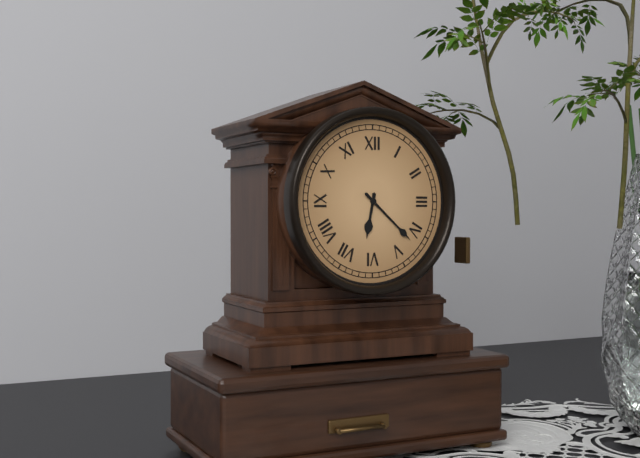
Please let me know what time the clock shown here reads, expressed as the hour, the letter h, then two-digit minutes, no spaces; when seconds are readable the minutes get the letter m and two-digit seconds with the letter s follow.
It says 6h22
